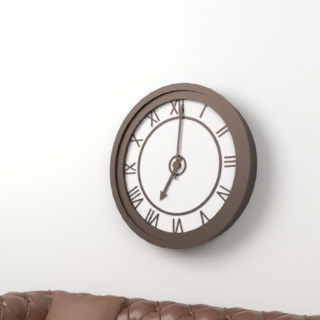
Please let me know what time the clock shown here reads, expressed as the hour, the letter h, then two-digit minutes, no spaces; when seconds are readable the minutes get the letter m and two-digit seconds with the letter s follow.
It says 7h01
